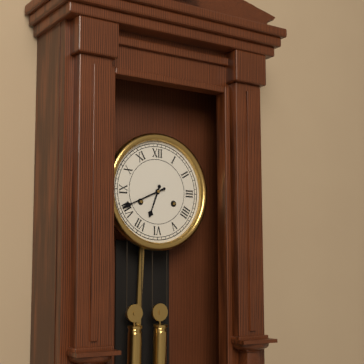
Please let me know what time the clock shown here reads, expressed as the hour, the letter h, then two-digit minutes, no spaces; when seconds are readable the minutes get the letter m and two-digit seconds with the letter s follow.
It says 6h41
